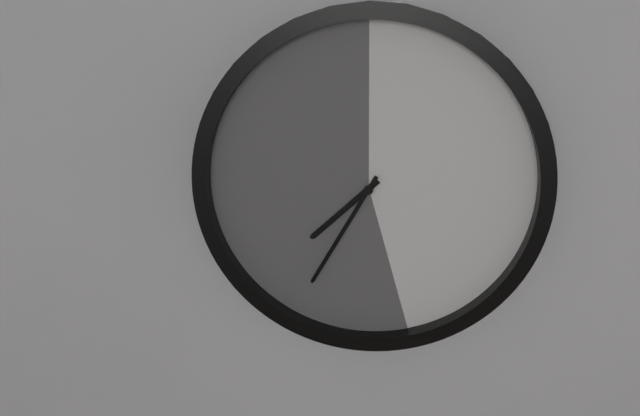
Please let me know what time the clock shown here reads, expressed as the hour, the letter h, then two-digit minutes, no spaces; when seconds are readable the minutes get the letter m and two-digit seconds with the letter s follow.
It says 7h35
